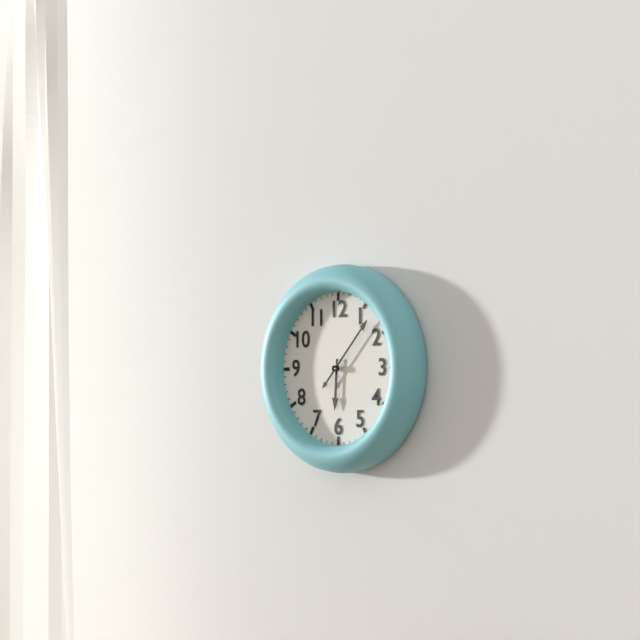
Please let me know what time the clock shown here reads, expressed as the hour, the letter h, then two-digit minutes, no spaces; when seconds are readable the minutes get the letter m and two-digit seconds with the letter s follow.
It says 6h07
